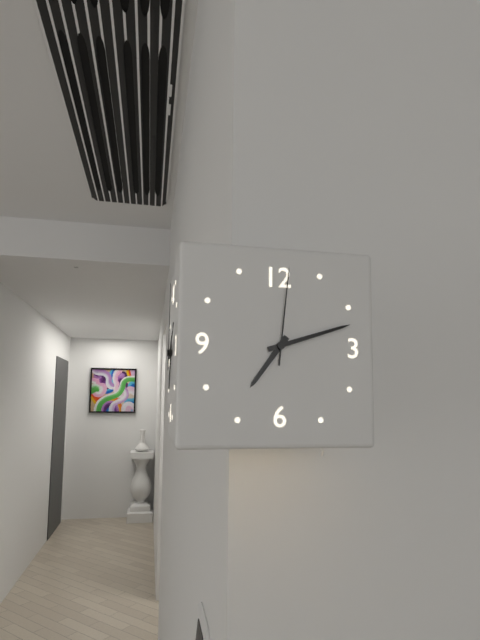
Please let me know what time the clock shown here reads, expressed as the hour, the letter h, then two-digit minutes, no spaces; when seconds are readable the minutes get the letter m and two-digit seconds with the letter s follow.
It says 7h12m01s
